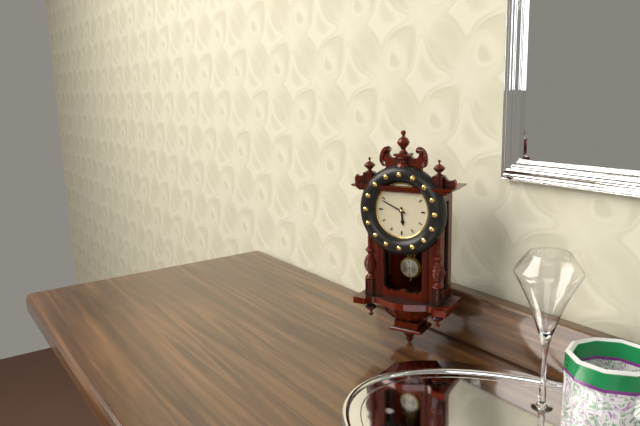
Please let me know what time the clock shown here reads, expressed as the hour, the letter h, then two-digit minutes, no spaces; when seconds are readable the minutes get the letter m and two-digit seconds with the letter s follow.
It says 5h49
